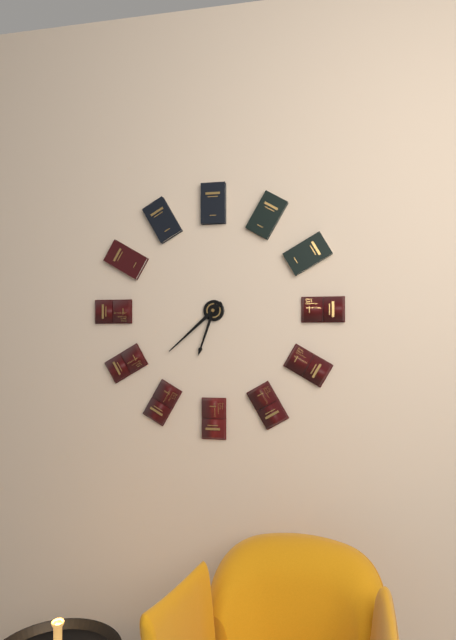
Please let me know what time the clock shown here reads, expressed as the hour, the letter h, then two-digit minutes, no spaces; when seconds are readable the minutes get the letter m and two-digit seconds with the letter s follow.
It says 6h38
